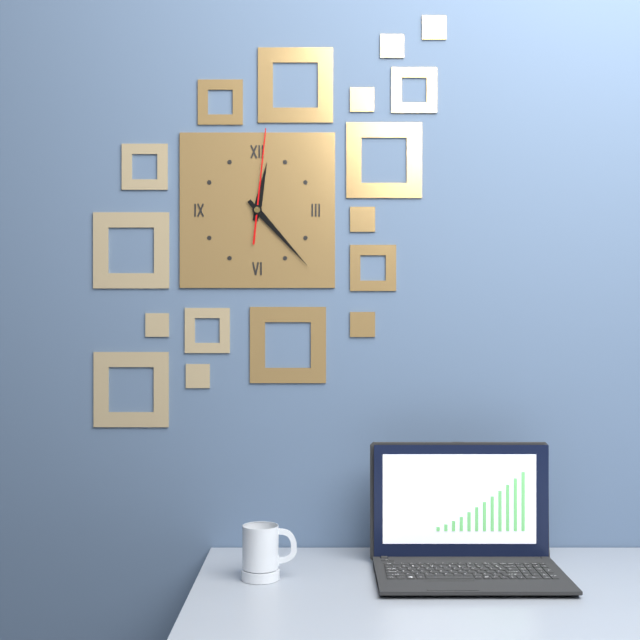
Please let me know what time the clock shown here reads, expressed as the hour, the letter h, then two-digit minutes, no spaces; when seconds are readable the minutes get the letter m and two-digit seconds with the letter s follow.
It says 12h23m01s
